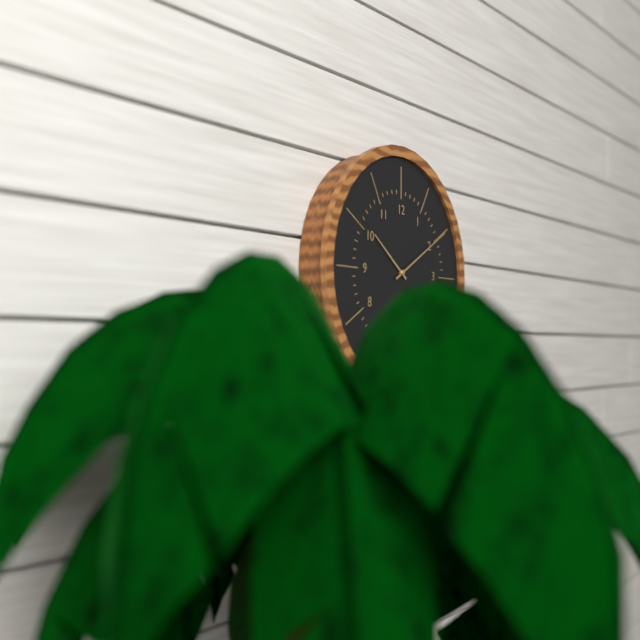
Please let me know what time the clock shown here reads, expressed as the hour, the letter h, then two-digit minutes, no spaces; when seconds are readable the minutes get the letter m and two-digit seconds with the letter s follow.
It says 10h10
